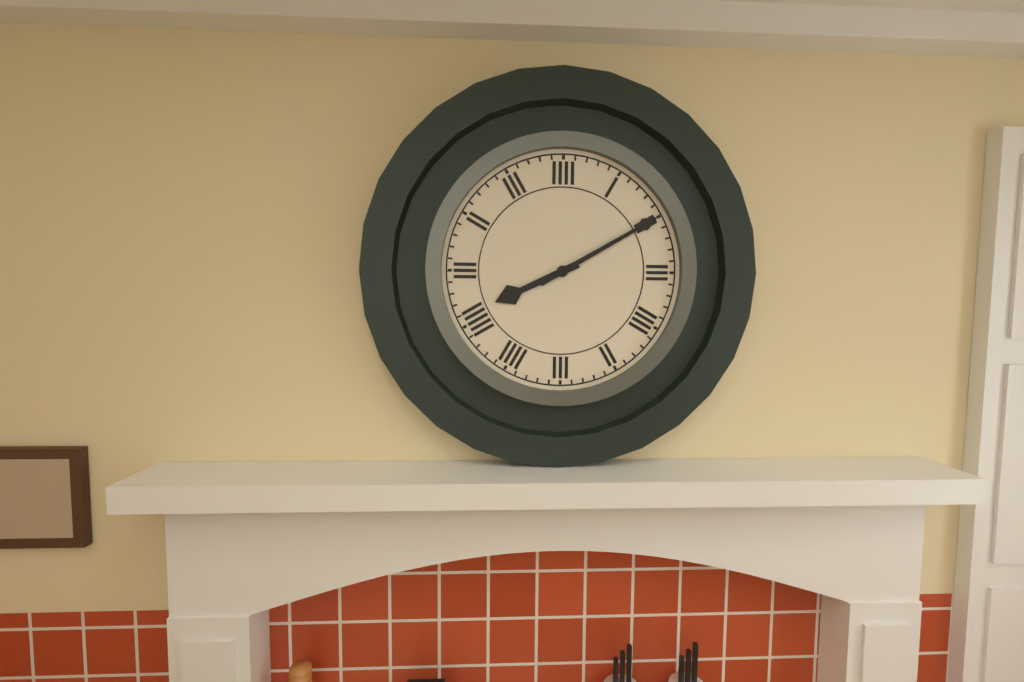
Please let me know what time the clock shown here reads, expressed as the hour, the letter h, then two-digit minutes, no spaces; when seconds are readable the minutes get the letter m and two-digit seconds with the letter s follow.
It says 8h10
